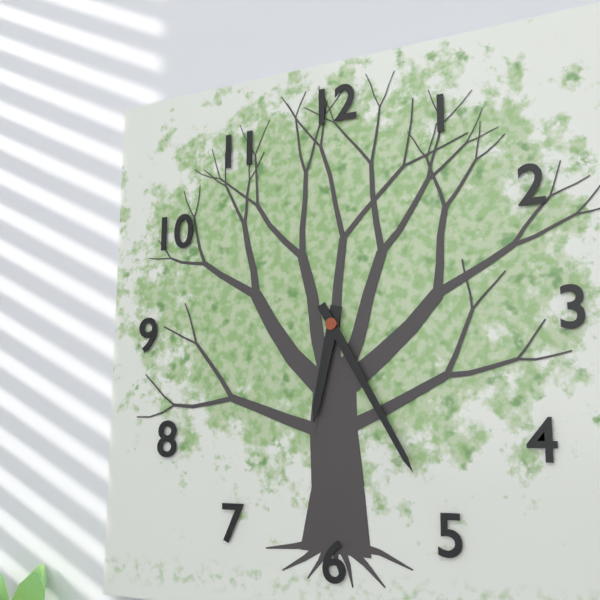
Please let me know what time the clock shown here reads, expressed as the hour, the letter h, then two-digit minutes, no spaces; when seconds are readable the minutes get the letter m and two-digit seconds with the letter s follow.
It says 6h25
